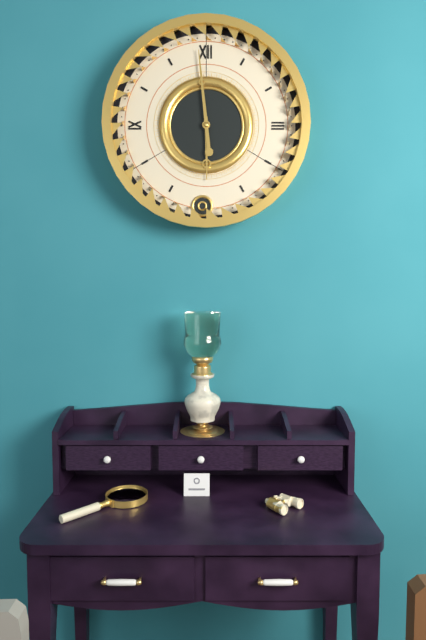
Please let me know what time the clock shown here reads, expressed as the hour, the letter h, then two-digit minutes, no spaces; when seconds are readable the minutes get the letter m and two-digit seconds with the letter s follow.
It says 5h59
